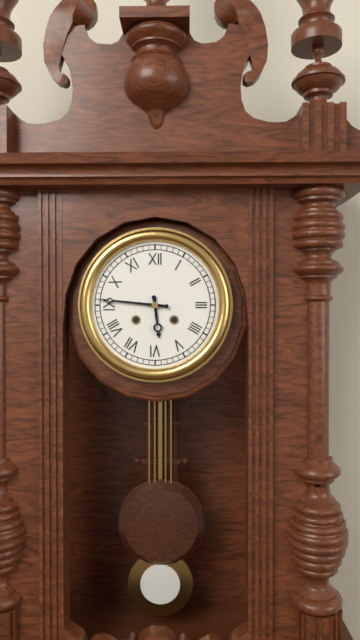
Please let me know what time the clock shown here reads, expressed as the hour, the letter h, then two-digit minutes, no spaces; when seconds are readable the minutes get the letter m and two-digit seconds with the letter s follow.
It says 5h46
